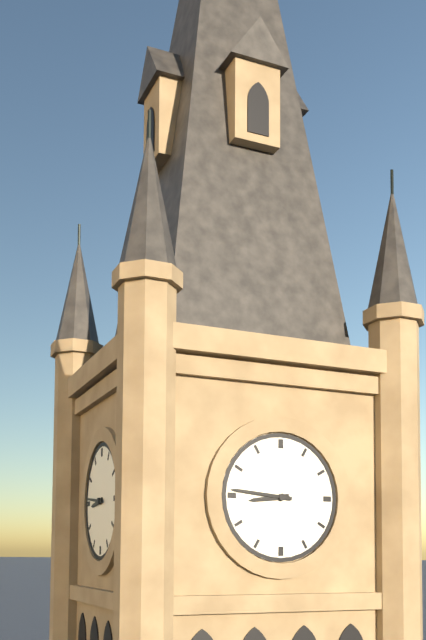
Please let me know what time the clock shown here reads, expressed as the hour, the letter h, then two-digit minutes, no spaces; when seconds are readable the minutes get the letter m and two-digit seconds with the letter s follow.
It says 8h46
